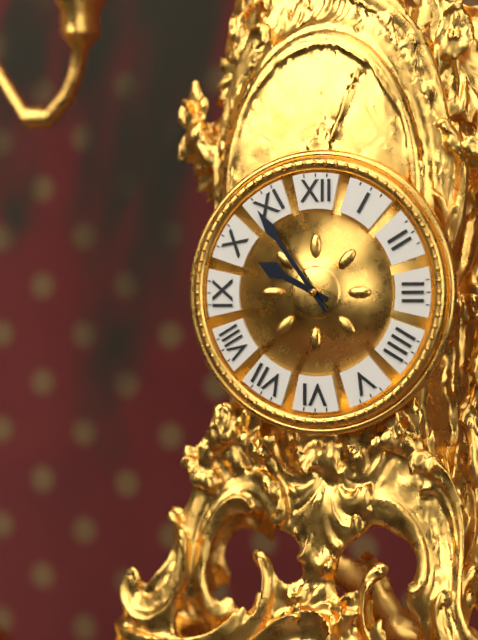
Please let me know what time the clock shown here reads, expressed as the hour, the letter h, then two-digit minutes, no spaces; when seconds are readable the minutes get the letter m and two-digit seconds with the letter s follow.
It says 9h54
